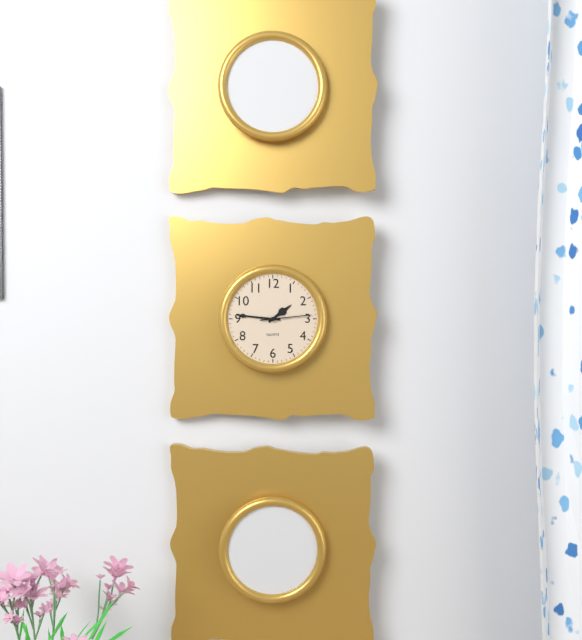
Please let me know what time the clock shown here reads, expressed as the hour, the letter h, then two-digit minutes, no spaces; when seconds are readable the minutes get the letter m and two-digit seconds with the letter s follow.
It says 1h46m14s
